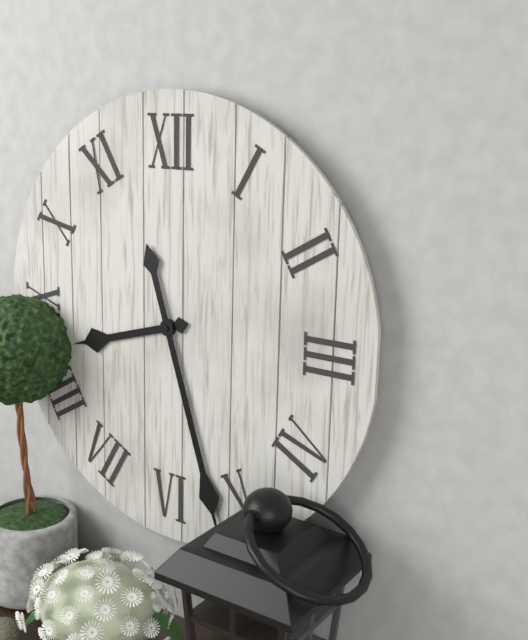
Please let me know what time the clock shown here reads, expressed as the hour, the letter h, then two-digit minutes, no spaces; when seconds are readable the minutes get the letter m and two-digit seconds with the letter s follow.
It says 8h27
